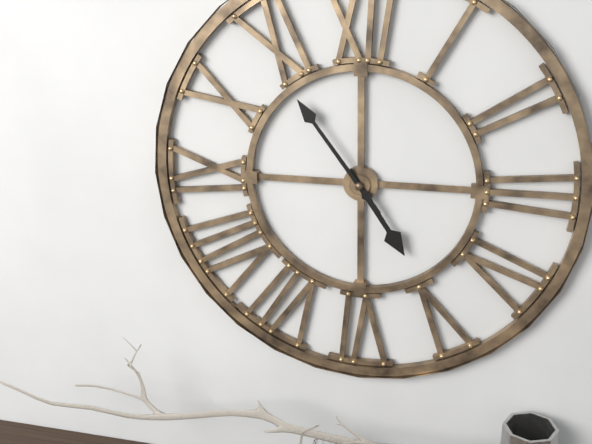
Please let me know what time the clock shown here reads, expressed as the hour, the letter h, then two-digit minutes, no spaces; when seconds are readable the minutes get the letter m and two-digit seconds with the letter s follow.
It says 4h54
